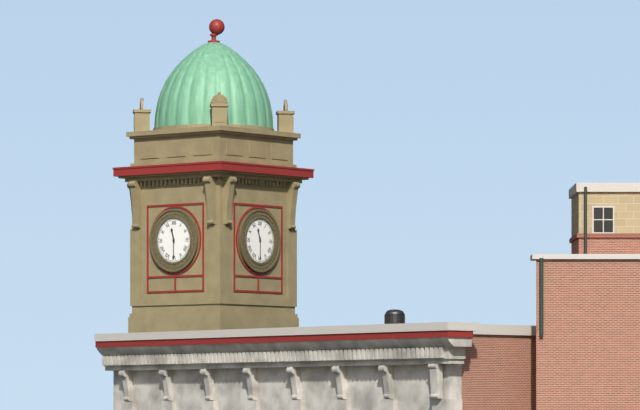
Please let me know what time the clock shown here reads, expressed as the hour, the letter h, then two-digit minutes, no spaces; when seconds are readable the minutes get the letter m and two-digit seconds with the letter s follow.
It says 11h30
